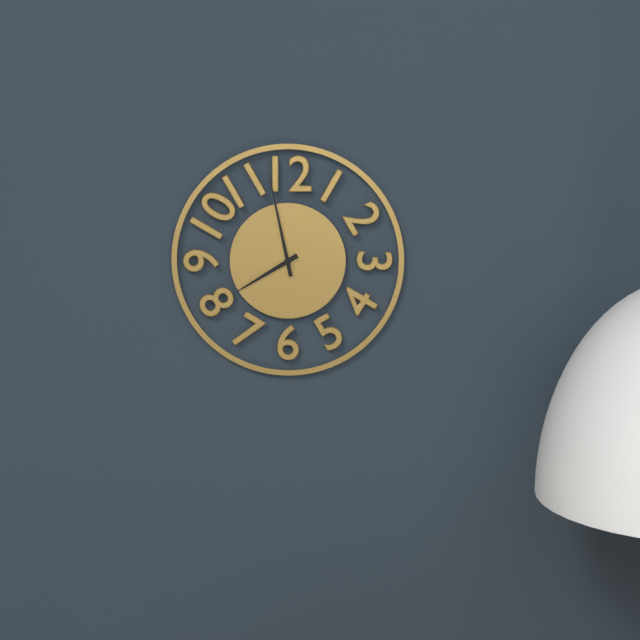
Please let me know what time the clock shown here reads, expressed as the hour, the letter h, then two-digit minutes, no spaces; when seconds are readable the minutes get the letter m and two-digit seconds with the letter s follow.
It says 7h58
